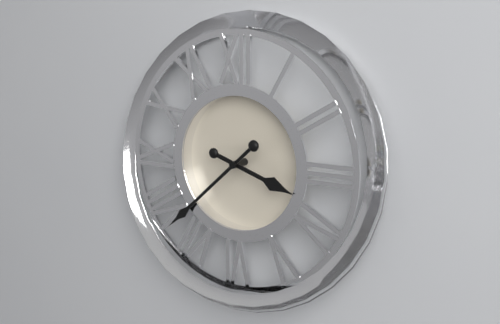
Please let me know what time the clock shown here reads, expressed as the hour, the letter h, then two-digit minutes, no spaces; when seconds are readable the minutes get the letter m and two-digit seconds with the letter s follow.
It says 3h38
